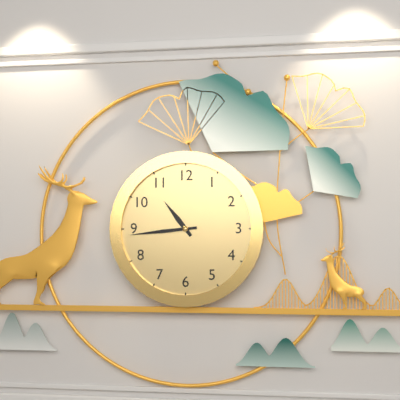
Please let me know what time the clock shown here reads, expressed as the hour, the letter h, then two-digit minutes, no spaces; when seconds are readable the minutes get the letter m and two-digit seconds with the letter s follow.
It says 10h44
